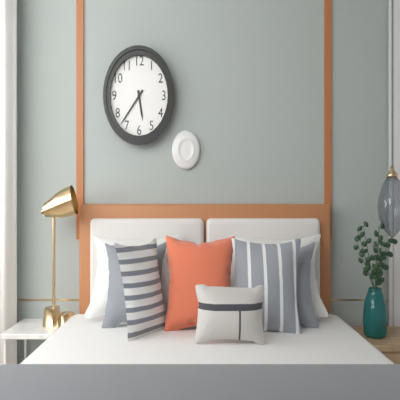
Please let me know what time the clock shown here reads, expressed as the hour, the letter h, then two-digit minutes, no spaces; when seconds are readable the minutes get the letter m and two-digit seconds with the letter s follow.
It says 5h37
